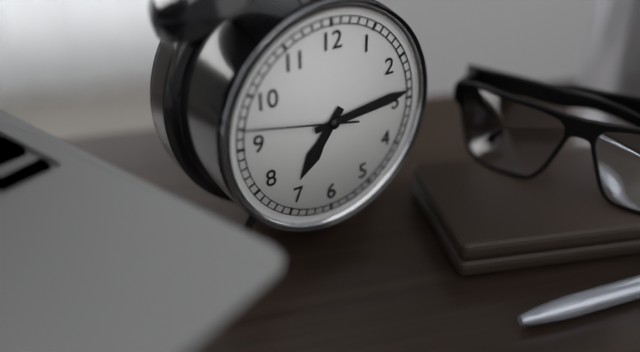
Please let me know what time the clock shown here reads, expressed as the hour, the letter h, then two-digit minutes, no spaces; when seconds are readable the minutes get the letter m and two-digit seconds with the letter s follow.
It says 7h14m47s
